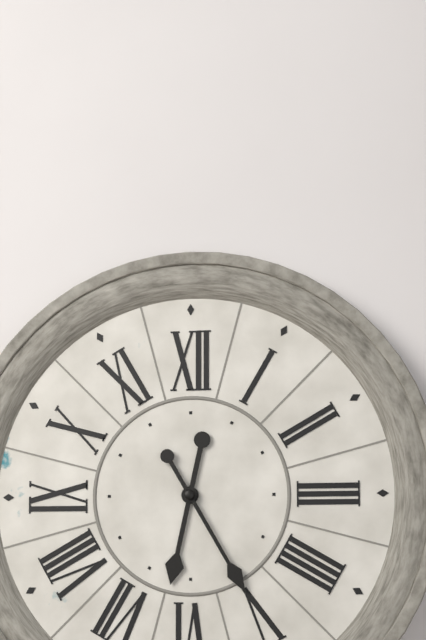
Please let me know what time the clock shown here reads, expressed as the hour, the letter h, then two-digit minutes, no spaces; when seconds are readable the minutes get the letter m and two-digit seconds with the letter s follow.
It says 6h25
